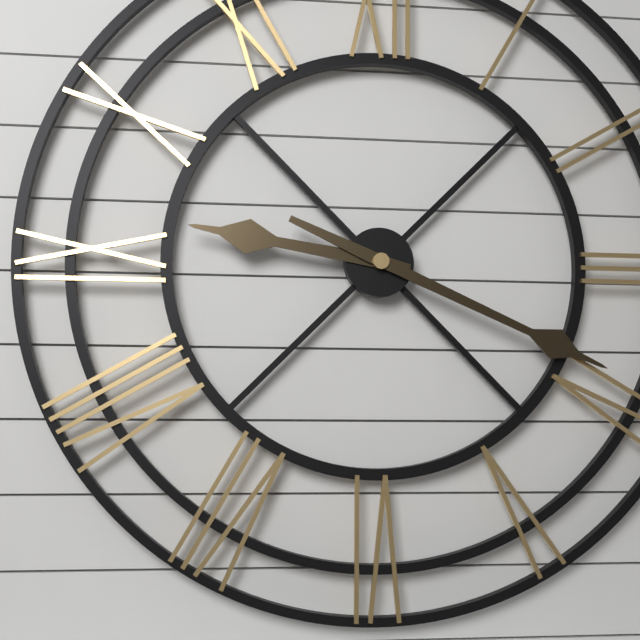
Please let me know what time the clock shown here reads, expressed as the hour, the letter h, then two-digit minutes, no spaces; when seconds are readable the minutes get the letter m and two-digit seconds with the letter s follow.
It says 9h19
